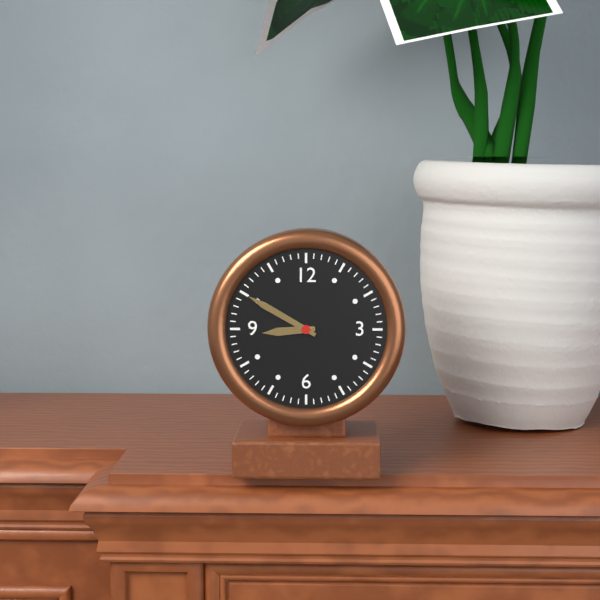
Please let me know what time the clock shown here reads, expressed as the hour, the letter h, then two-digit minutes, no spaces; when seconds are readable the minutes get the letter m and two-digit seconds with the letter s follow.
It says 8h50
